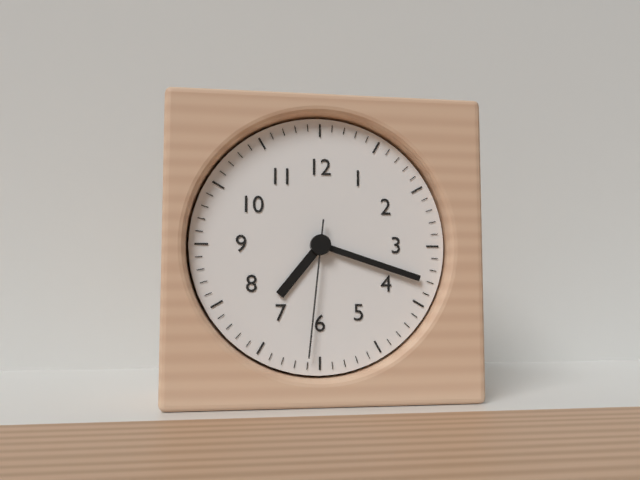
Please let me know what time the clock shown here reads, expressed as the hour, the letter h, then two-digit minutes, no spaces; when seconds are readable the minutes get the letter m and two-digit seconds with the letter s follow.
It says 7h18m31s
